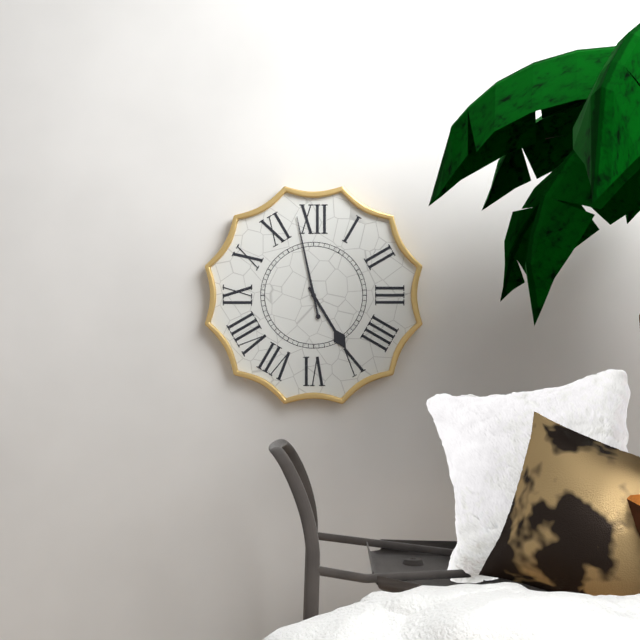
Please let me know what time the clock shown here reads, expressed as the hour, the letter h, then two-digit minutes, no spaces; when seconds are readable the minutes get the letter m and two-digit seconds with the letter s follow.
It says 4h58
